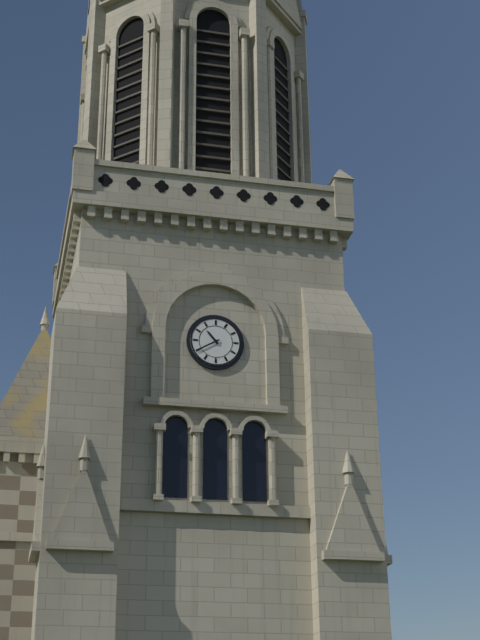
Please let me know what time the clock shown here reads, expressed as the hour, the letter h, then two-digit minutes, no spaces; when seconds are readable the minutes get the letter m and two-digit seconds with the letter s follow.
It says 10h40
